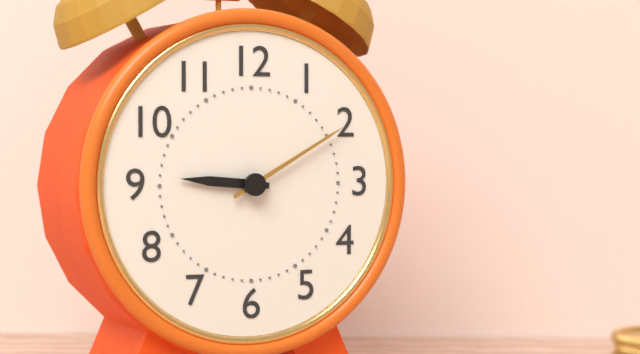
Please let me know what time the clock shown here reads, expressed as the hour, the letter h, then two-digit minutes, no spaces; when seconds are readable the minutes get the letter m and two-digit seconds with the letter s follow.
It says 9h10
